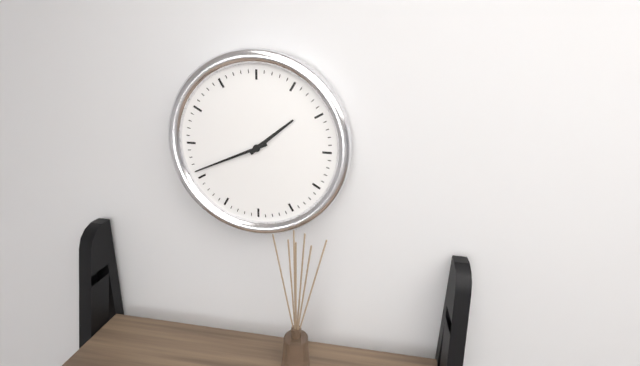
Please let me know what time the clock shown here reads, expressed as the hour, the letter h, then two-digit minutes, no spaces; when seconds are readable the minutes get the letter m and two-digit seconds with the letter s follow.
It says 1h41
